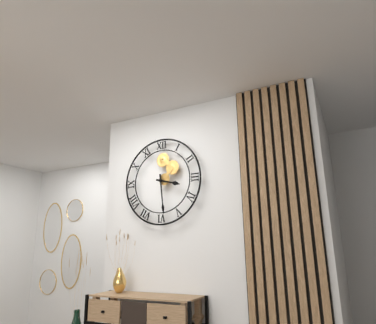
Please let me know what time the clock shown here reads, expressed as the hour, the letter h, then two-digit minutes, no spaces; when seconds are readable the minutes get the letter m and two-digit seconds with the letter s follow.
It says 3h29
